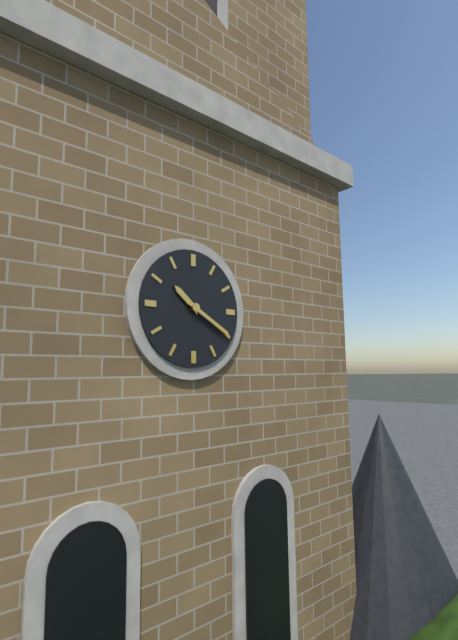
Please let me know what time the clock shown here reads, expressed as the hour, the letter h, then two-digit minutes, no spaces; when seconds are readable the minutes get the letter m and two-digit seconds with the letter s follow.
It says 10h20
